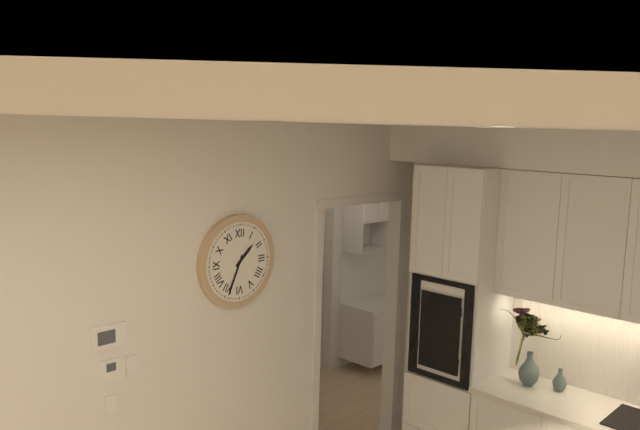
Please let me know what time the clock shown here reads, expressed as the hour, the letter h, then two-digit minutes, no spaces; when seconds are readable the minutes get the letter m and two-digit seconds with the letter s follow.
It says 1h34
